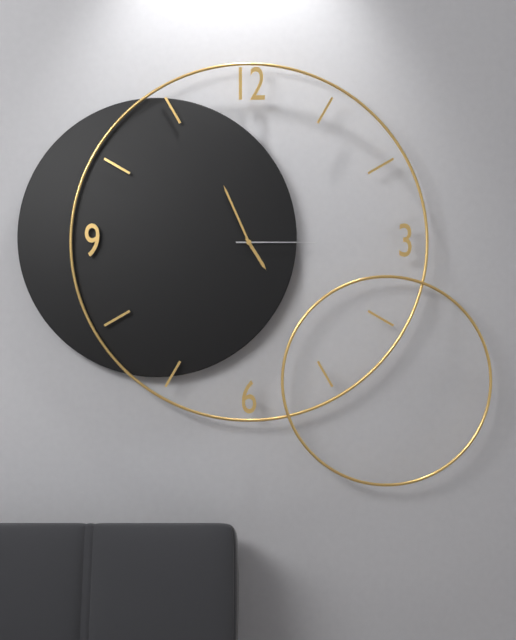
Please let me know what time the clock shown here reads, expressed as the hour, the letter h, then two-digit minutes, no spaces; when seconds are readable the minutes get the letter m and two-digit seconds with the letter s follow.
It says 4h56m15s
